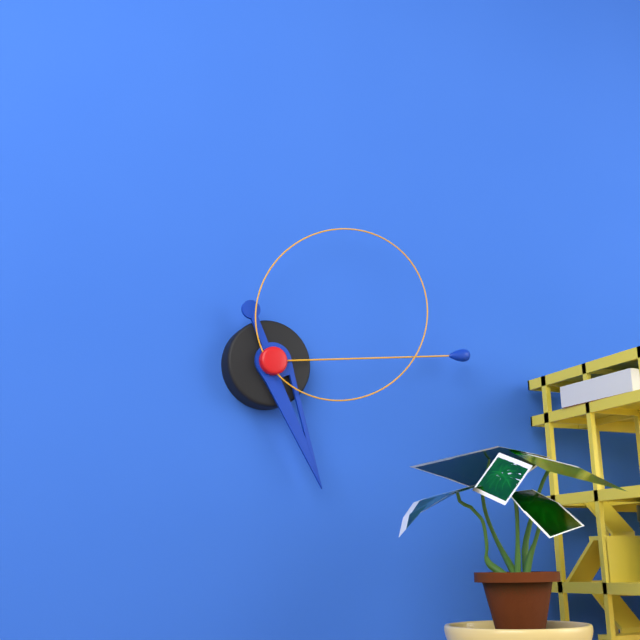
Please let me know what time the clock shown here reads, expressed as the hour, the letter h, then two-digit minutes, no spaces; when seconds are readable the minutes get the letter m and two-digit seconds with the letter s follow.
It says 5h14m09s
